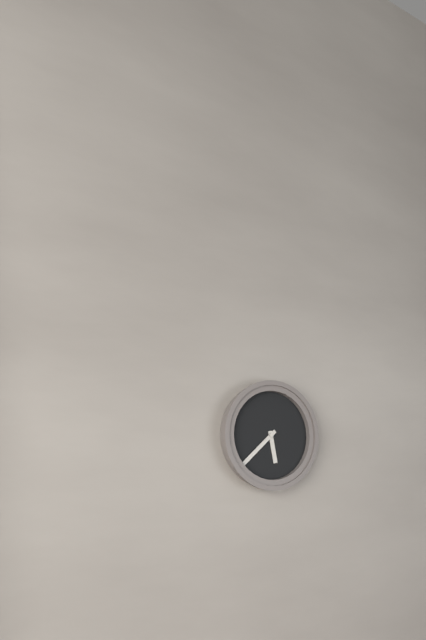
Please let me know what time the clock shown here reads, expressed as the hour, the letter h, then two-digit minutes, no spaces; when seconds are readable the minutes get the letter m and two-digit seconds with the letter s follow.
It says 5h38
